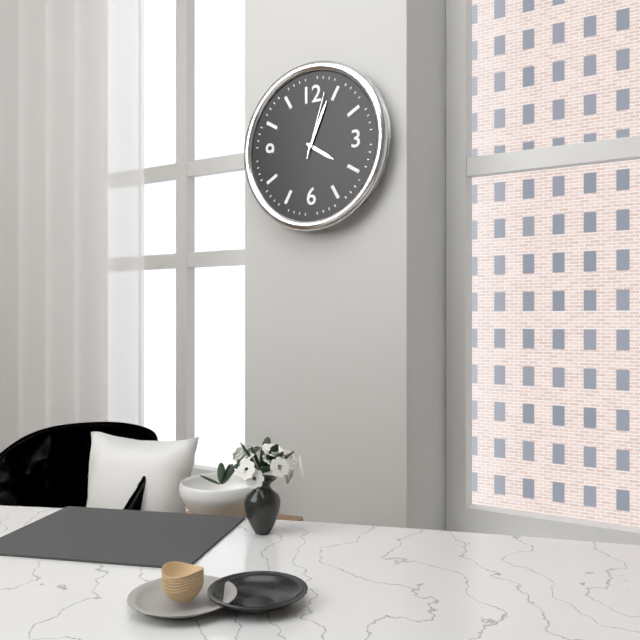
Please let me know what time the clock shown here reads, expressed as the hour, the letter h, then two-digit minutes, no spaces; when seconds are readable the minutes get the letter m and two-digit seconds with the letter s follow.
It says 4h04m03s
